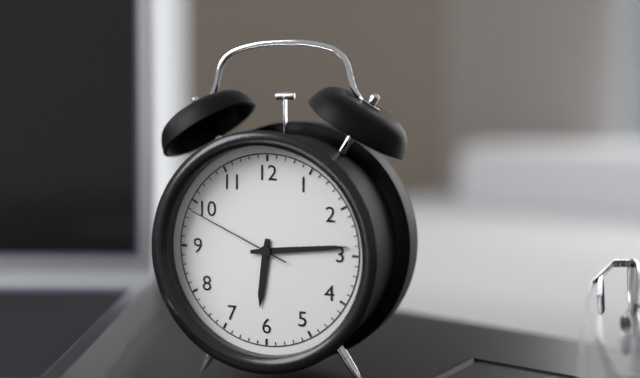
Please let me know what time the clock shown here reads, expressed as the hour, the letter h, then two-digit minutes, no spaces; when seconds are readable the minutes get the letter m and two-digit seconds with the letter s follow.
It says 6h14m49s
